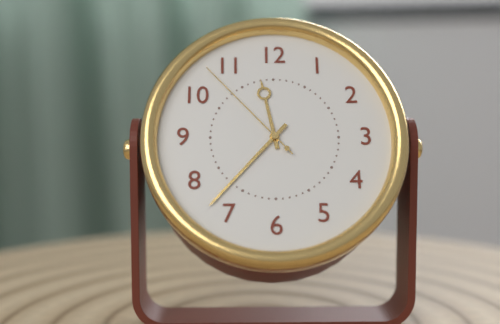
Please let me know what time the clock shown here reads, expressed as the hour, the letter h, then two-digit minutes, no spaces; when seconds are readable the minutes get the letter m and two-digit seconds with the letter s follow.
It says 11h37m53s
